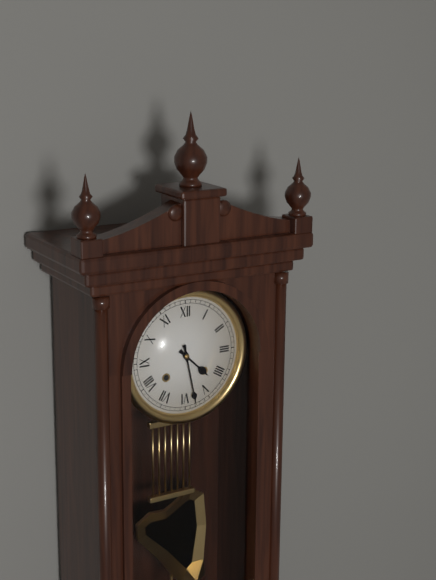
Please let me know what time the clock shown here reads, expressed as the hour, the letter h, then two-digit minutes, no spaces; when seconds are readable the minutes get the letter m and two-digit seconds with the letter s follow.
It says 4h28
